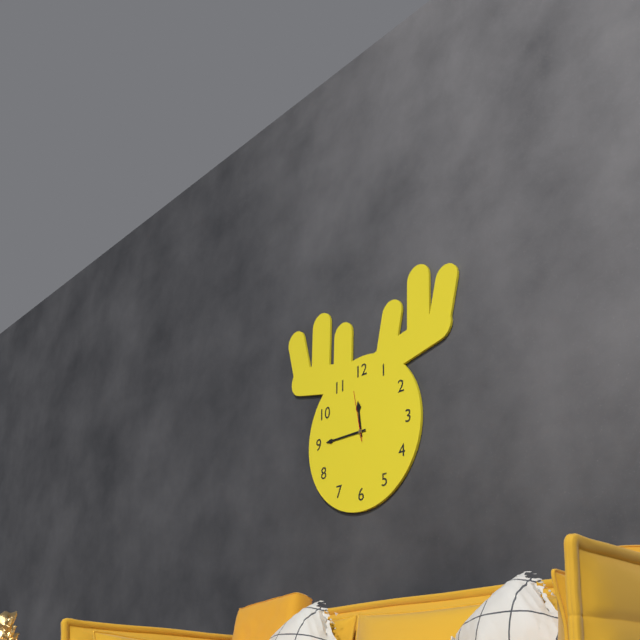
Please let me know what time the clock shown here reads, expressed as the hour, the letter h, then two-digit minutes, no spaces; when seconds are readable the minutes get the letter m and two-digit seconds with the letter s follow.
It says 11h45m58s
